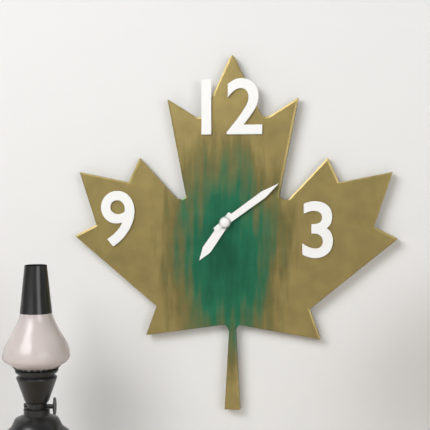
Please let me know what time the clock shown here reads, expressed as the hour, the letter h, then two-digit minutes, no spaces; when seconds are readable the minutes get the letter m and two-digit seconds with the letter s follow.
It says 7h09
